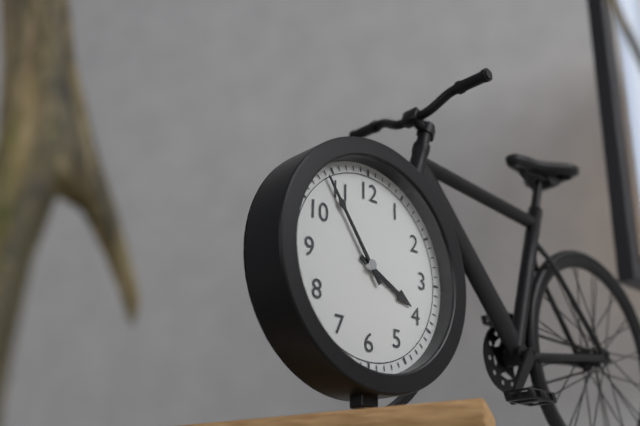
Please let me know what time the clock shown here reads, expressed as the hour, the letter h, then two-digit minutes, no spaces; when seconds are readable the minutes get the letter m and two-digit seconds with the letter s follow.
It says 3h54
